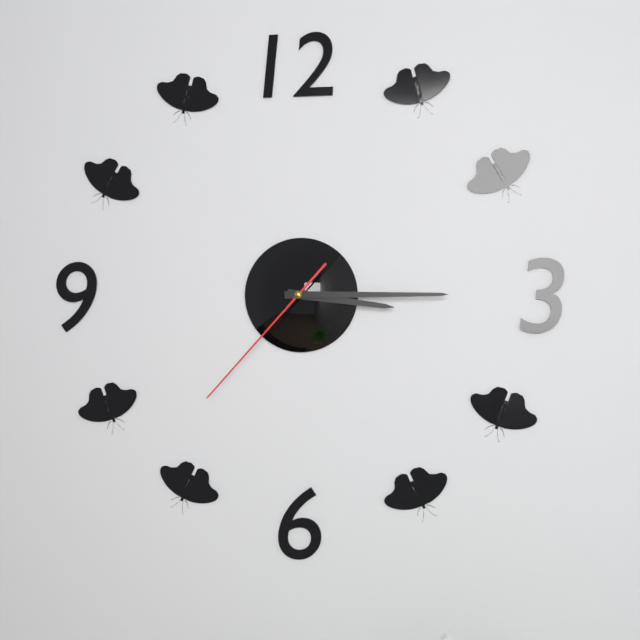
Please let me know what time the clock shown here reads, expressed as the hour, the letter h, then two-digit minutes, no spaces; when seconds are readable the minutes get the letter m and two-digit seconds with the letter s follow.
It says 3h15m37s
